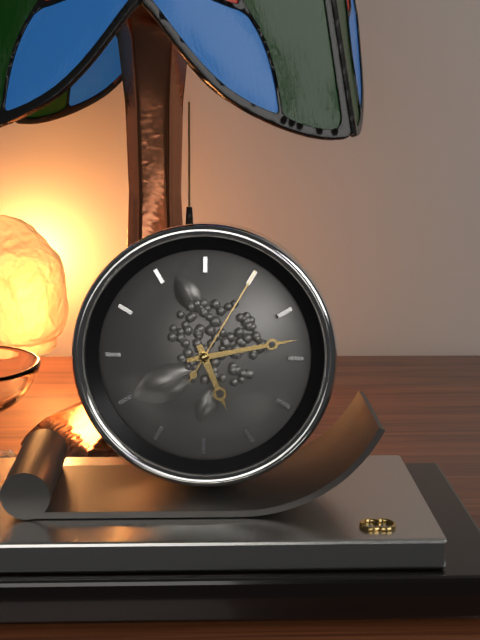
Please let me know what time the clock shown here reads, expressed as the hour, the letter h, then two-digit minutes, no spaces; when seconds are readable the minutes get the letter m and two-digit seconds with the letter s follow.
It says 5h13m05s
